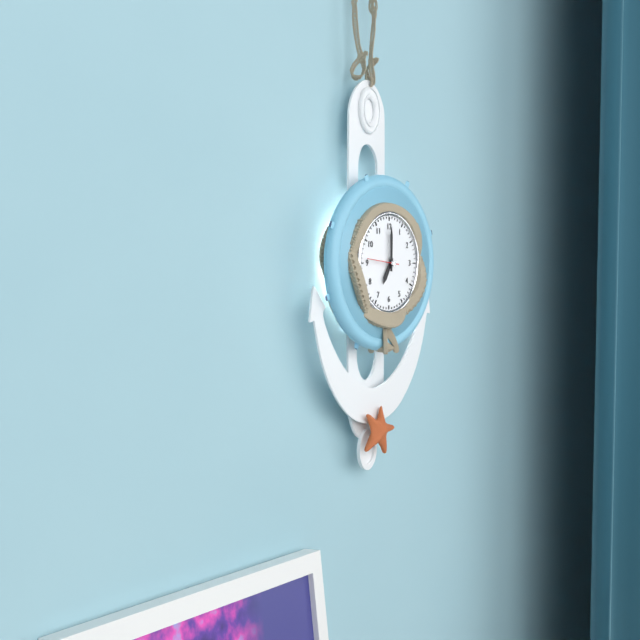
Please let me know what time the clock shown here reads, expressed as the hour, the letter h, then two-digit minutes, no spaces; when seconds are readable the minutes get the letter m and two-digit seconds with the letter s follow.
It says 7h00
